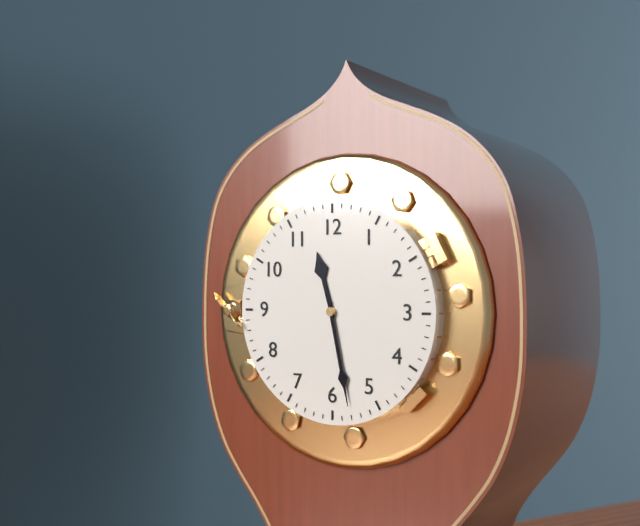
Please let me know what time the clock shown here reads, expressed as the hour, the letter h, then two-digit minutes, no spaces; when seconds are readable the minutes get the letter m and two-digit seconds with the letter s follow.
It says 11h28
